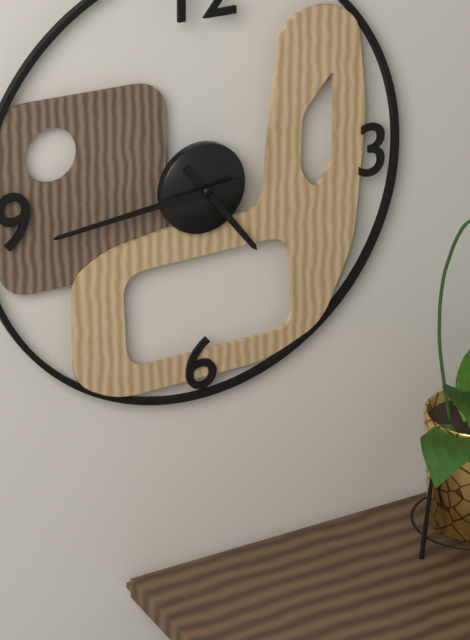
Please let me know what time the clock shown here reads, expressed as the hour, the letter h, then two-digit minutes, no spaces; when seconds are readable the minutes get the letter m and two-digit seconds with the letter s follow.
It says 4h44
